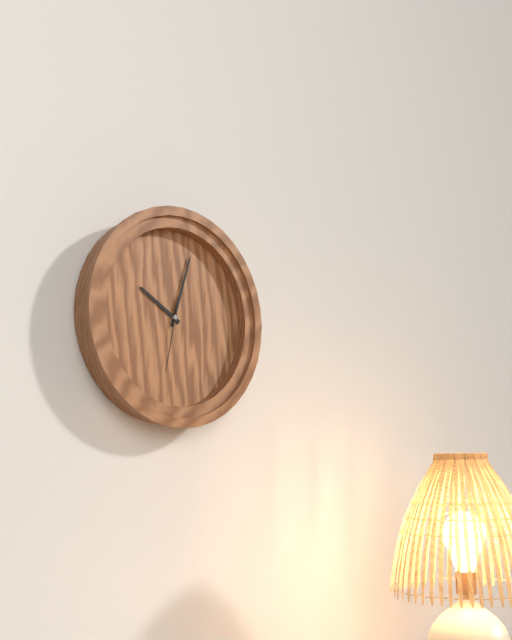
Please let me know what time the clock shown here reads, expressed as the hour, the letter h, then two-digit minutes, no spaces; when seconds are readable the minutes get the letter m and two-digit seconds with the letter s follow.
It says 10h03m32s
